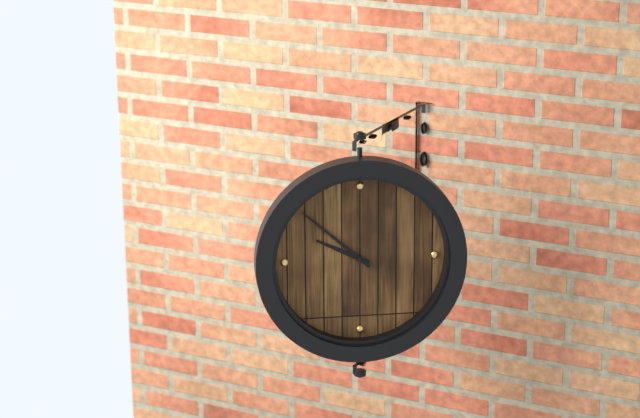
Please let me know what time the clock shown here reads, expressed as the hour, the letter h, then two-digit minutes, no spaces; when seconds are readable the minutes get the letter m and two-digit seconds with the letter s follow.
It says 9h52
